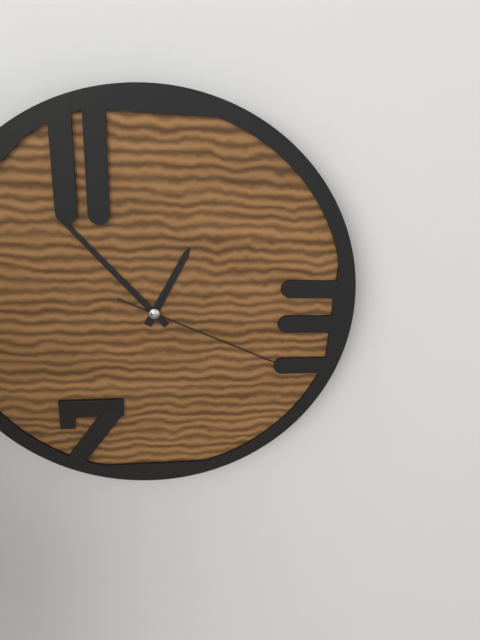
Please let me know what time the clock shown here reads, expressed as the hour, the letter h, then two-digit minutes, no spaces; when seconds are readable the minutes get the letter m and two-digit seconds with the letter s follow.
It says 12h53m19s
